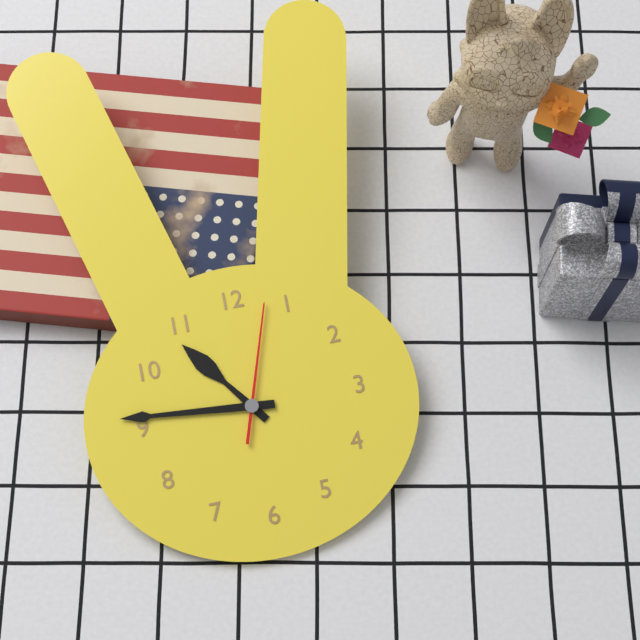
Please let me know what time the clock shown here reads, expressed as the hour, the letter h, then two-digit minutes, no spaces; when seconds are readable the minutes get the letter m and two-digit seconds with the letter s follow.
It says 10h46m03s
